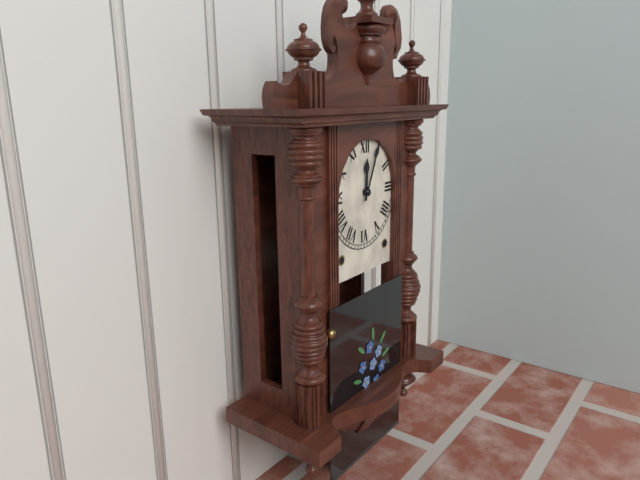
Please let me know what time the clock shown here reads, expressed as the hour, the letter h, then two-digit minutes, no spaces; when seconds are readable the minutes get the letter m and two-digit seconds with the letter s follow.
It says 12h04
